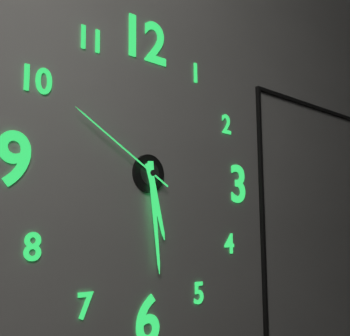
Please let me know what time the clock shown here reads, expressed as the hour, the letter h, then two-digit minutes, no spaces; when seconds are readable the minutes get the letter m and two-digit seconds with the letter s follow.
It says 5h29m50s
